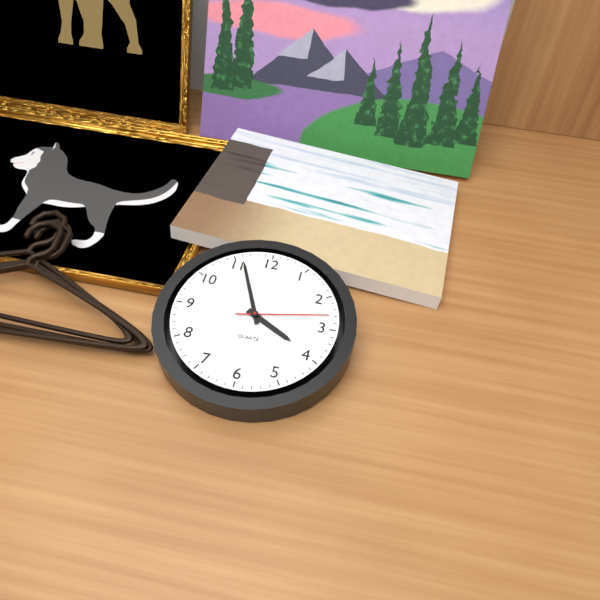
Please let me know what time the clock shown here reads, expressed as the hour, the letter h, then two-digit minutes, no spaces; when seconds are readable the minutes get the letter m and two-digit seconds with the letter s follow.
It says 3h56m13s
